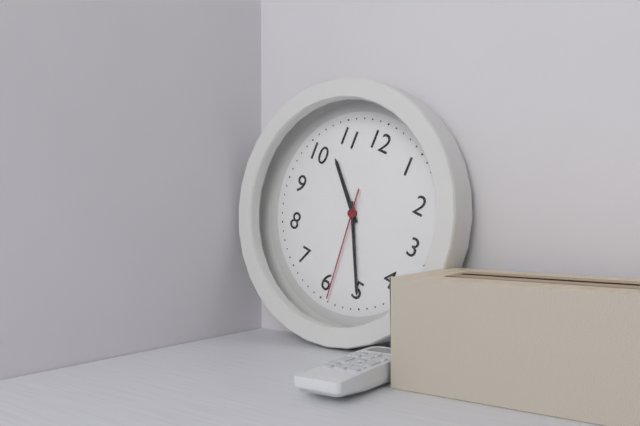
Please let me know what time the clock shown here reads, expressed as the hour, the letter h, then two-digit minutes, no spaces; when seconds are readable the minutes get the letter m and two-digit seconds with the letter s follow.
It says 10h25m29s
